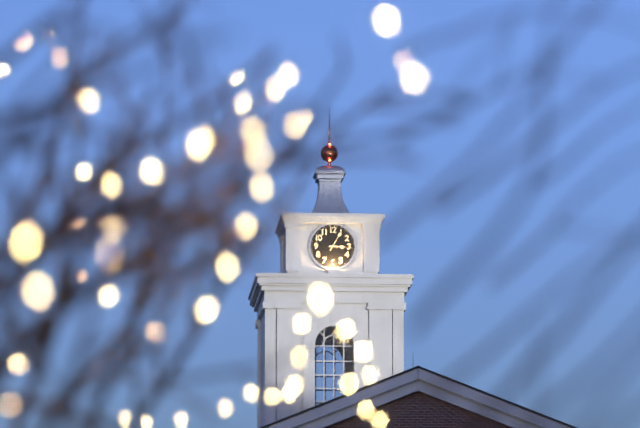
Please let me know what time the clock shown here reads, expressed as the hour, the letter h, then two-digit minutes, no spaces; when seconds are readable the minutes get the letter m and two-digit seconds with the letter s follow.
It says 3h05
